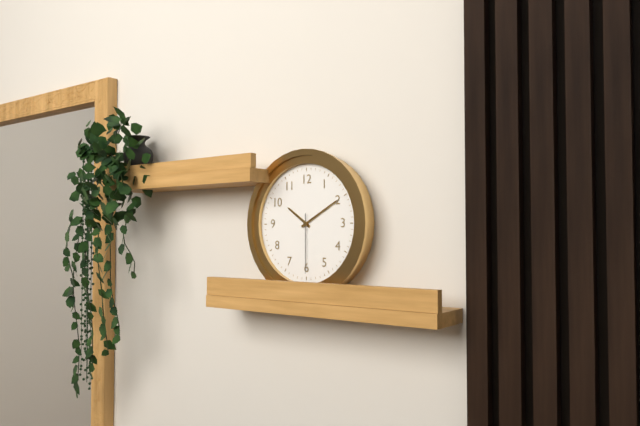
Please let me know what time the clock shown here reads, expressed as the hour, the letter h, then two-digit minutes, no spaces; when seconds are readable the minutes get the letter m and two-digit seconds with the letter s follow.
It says 10h10m30s
